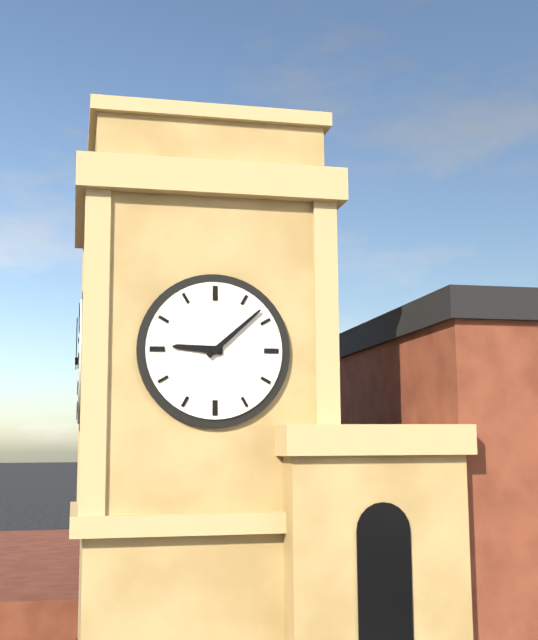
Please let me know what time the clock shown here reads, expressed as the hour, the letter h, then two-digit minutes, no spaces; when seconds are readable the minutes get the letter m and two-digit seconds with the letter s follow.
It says 9h08
